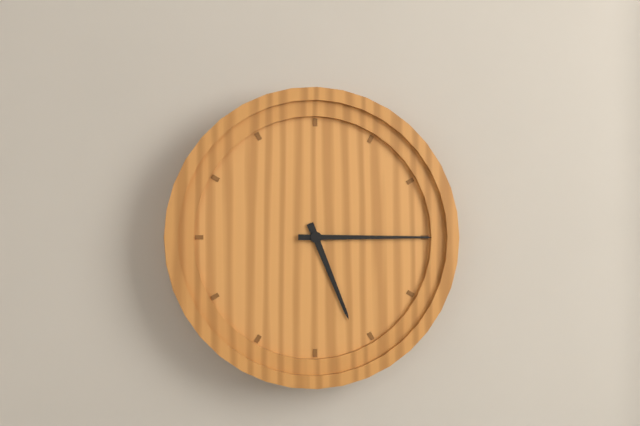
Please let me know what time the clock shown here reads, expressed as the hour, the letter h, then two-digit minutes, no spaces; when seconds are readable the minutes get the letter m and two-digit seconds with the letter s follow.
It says 5h15
